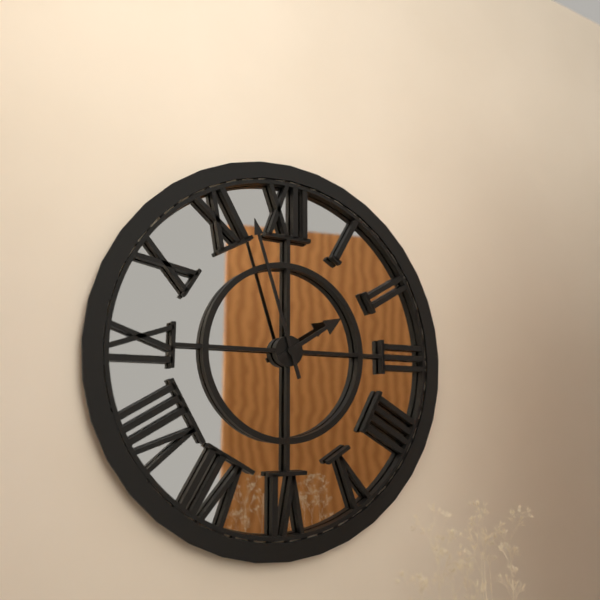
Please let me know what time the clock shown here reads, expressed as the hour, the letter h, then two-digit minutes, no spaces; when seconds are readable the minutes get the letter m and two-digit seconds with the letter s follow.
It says 1h57
